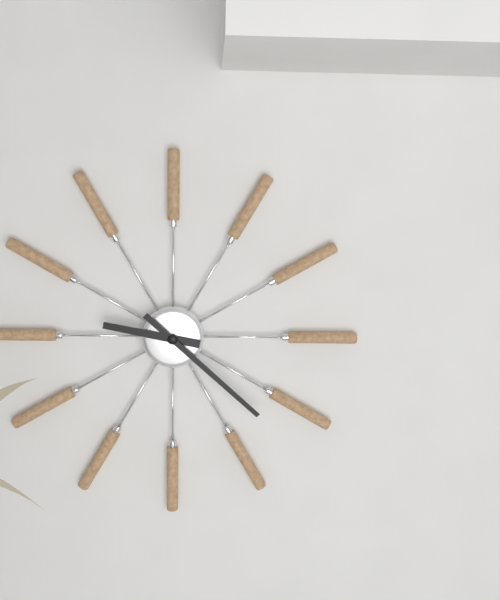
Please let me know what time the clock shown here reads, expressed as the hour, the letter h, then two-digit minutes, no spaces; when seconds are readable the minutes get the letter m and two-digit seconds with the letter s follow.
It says 9h22
